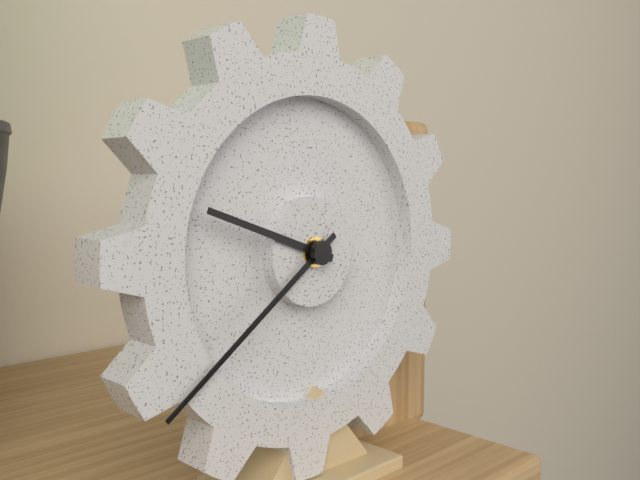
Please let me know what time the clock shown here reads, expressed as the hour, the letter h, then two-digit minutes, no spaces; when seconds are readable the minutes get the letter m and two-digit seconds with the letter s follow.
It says 9h39
